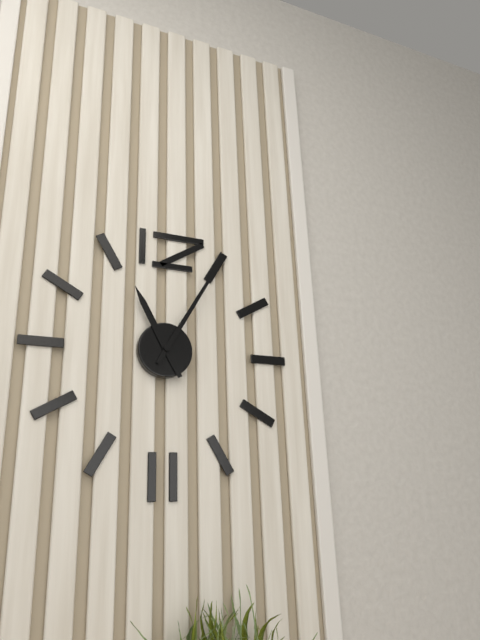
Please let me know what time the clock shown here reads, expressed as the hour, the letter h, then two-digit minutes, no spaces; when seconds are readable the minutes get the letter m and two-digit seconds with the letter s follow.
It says 11h05
